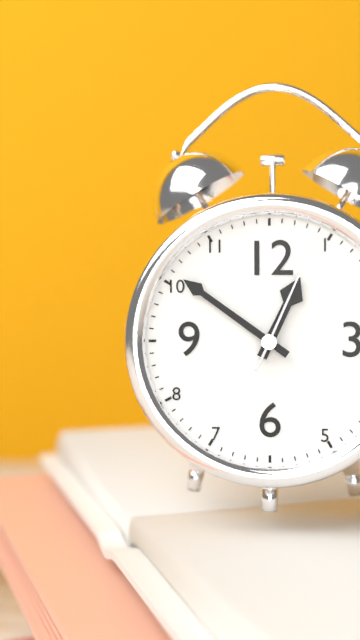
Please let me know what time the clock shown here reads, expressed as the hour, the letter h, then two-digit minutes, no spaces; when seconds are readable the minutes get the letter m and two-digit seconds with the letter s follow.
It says 12h51m04s
